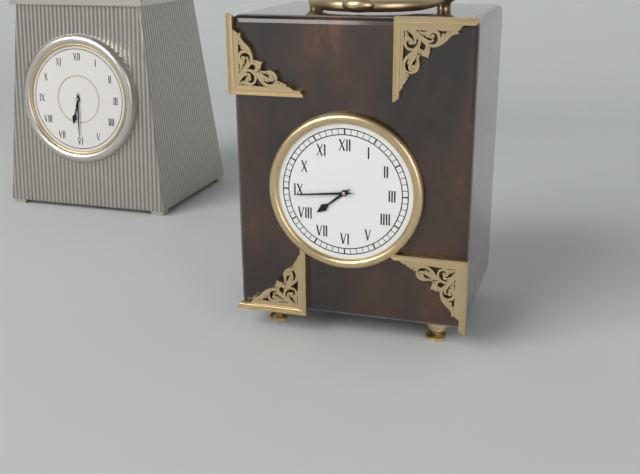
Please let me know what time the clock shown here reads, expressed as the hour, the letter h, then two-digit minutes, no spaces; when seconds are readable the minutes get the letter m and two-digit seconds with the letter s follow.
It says 7h44
